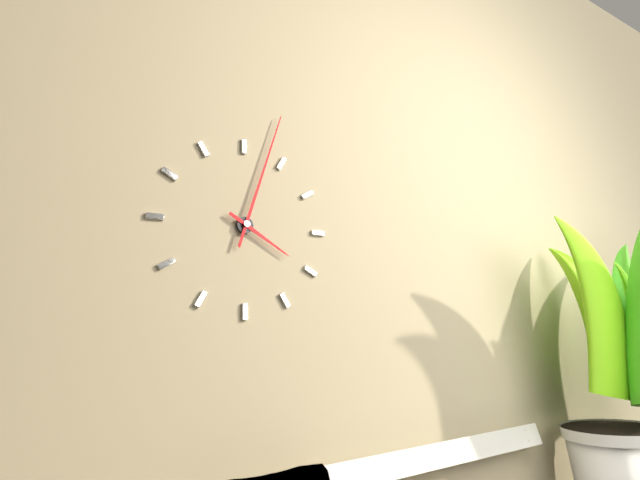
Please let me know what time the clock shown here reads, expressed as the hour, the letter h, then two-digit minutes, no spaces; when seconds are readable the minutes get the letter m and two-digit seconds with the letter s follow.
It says 4h03
